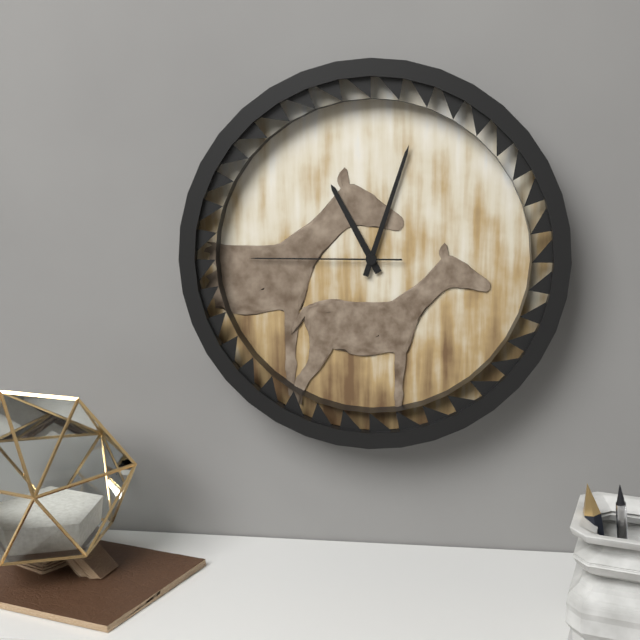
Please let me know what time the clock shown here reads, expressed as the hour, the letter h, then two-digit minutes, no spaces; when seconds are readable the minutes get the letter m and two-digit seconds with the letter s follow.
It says 11h03m45s
